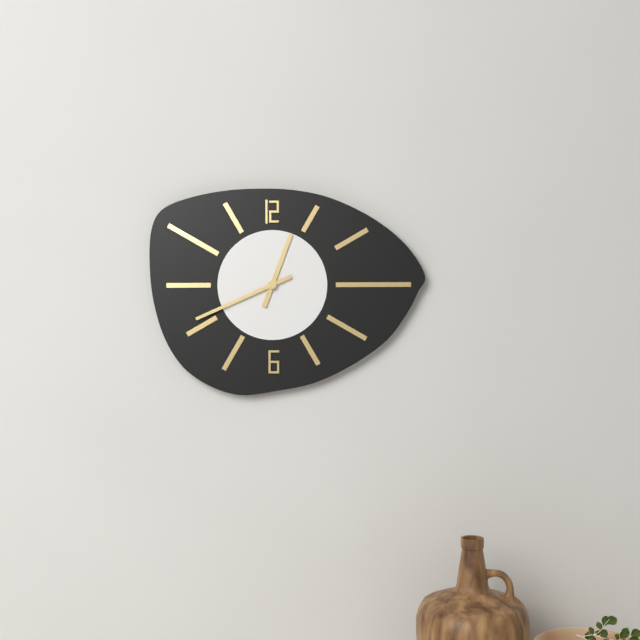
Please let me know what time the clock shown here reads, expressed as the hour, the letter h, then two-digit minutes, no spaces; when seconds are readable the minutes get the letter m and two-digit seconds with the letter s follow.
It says 12h41
